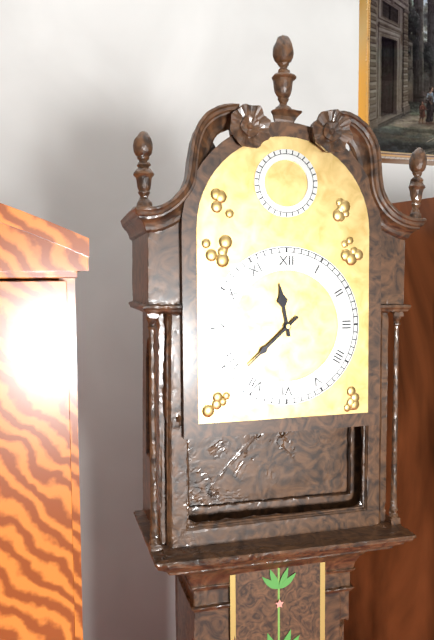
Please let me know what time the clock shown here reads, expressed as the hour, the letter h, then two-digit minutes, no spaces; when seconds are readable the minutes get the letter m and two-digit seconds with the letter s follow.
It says 11h38
